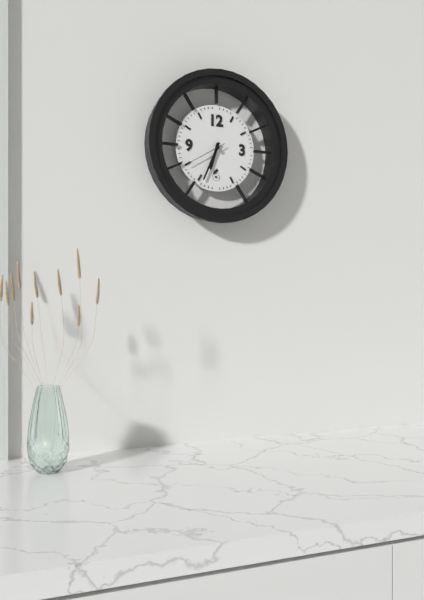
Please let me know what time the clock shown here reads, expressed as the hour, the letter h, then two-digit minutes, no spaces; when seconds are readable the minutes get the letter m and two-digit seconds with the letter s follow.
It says 6h34
